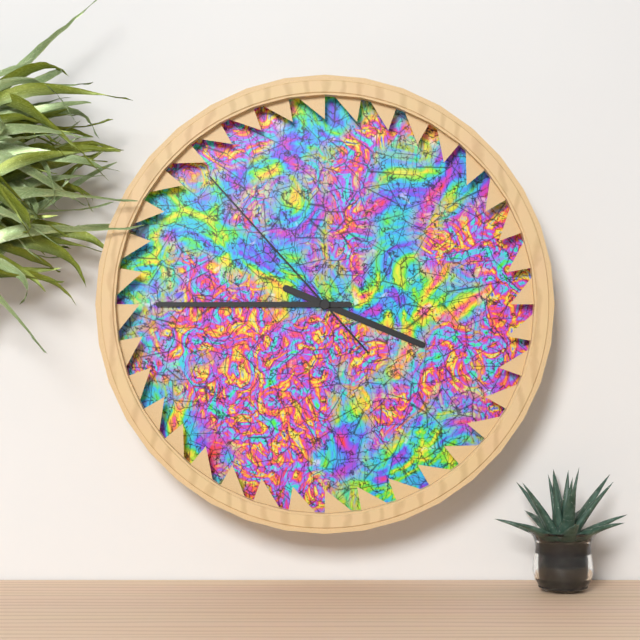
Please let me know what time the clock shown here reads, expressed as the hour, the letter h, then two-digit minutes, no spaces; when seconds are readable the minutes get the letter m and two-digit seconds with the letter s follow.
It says 3h45m53s
